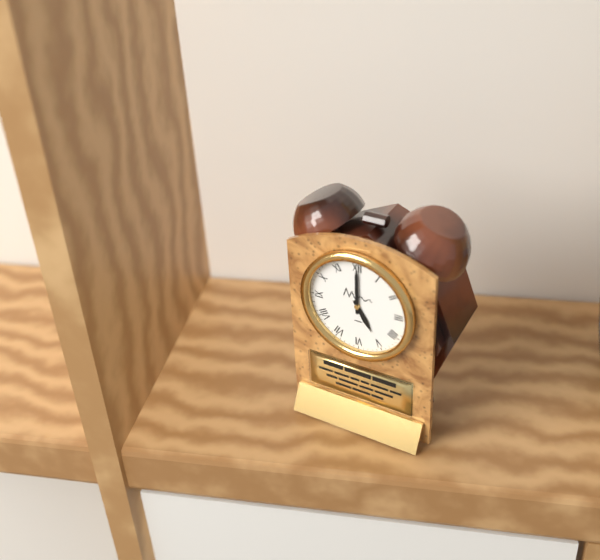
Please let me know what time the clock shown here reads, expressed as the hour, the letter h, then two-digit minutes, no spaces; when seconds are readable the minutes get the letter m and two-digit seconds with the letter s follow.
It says 5h00
